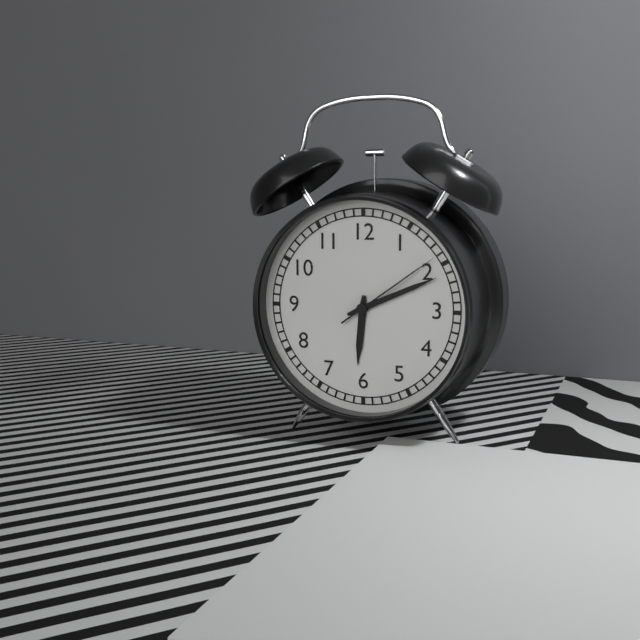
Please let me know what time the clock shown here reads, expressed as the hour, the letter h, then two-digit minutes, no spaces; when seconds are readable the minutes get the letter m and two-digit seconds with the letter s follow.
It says 6h11m09s
